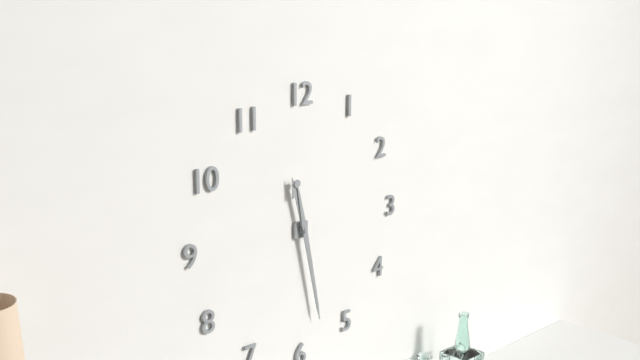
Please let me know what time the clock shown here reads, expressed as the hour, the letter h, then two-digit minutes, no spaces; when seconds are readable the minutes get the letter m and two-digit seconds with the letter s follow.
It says 11h28
